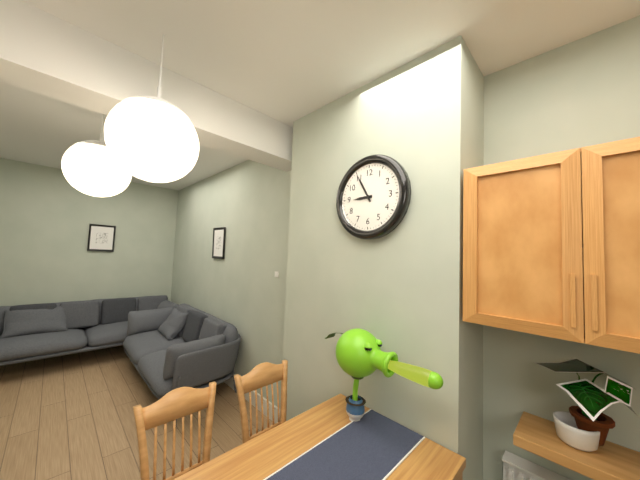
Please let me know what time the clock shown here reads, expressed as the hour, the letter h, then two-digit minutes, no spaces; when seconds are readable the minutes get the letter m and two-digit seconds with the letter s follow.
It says 8h55
